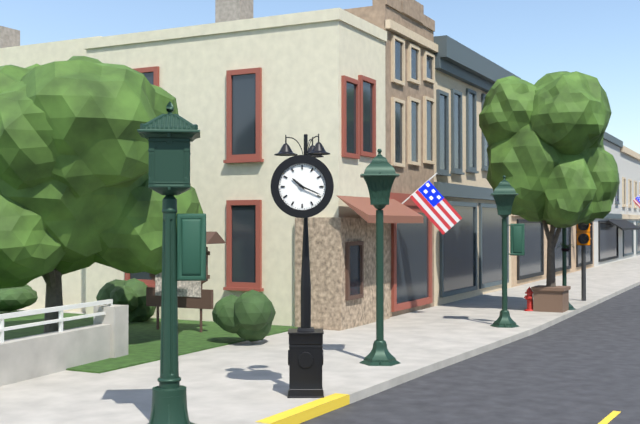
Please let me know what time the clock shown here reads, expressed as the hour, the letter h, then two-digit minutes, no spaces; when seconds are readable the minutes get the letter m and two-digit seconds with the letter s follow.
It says 10h19
